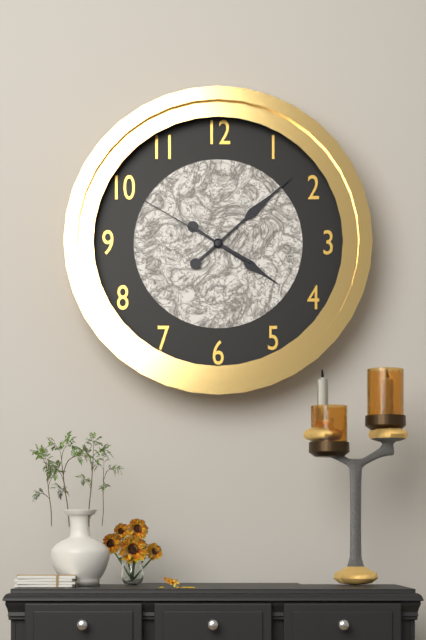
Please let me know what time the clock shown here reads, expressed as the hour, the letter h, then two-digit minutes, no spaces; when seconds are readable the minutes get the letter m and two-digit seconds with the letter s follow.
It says 4h08m50s
